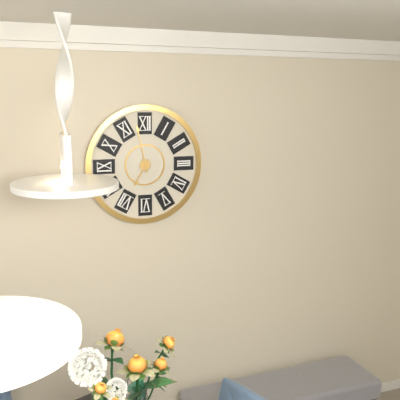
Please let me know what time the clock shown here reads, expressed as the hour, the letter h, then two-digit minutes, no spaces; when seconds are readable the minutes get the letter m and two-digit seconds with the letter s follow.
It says 6h58
